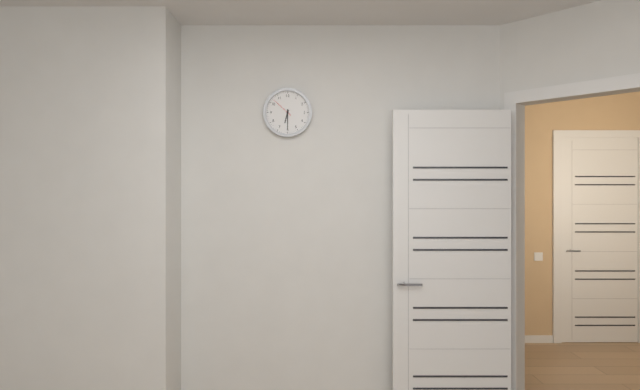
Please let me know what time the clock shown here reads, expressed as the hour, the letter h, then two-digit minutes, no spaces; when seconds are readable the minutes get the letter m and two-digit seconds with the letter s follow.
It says 6h30
